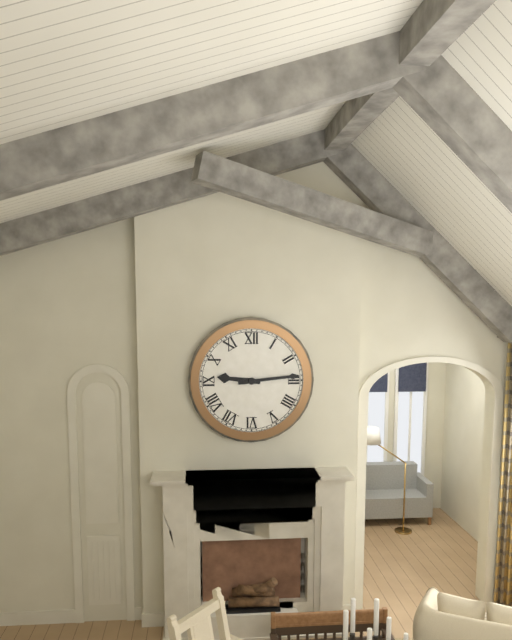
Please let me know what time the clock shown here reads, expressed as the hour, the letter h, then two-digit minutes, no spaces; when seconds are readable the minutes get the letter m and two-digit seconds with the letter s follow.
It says 9h14
